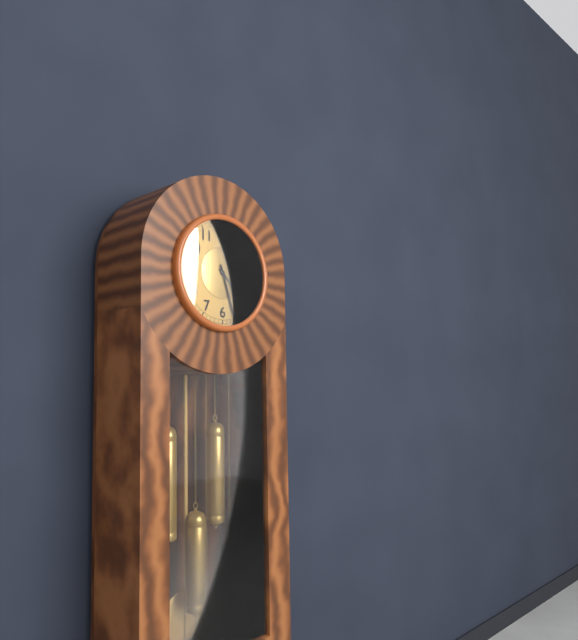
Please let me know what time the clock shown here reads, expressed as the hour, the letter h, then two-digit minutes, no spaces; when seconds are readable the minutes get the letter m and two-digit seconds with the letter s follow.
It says 4h27
